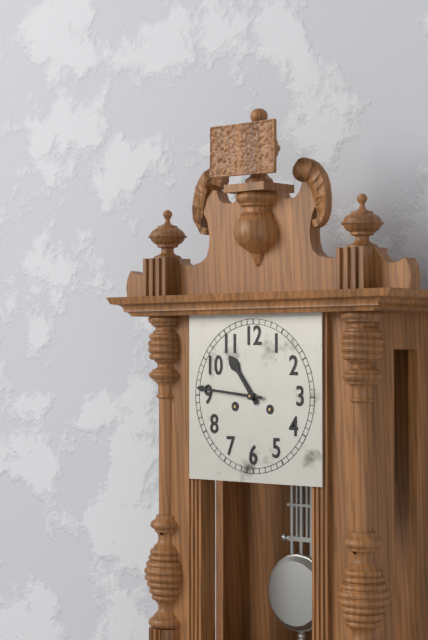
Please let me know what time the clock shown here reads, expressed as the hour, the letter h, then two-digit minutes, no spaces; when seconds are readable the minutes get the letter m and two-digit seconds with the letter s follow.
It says 10h46
